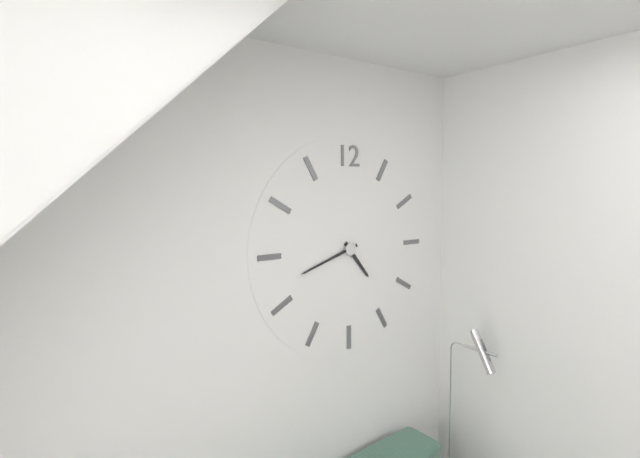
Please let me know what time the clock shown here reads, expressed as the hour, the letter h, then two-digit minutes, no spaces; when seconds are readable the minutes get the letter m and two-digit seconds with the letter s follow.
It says 4h42
